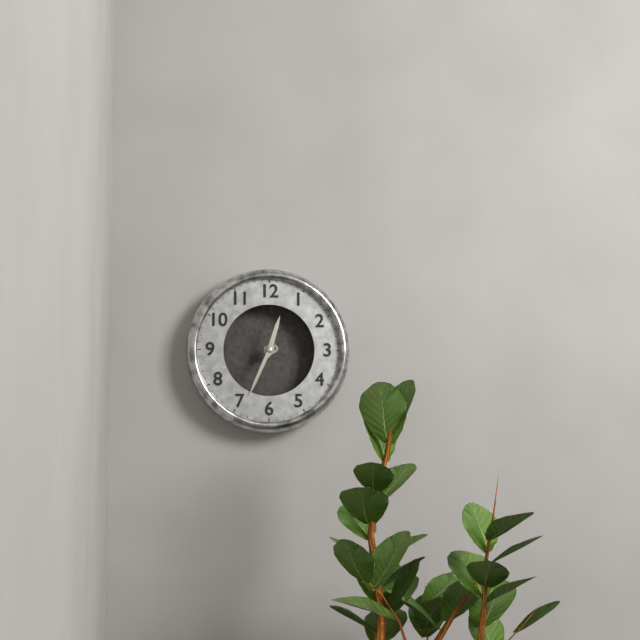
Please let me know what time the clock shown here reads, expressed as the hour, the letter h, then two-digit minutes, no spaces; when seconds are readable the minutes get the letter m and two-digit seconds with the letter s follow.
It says 12h34
